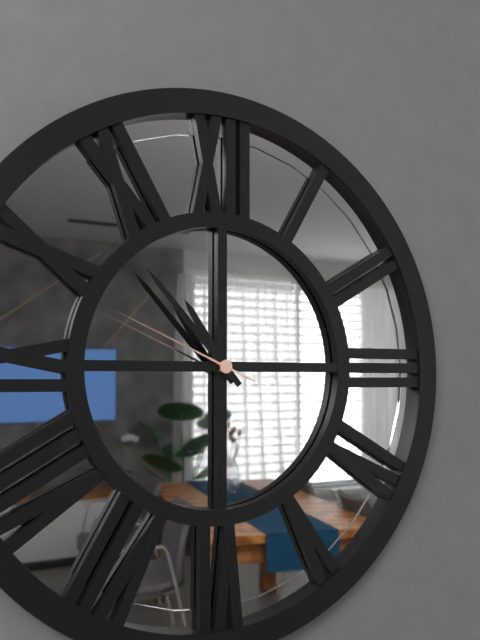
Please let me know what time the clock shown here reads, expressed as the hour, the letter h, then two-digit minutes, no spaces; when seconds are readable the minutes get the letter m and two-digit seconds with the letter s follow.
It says 10h53m49s
